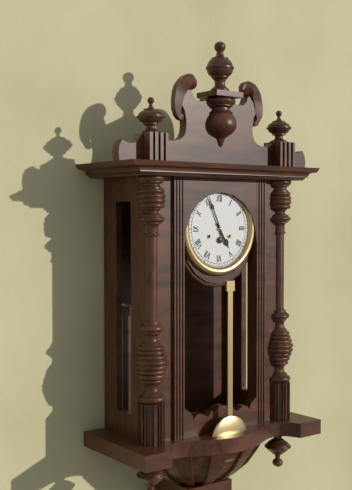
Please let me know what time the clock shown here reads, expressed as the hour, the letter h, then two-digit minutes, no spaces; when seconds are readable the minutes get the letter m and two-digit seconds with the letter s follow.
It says 4h56
